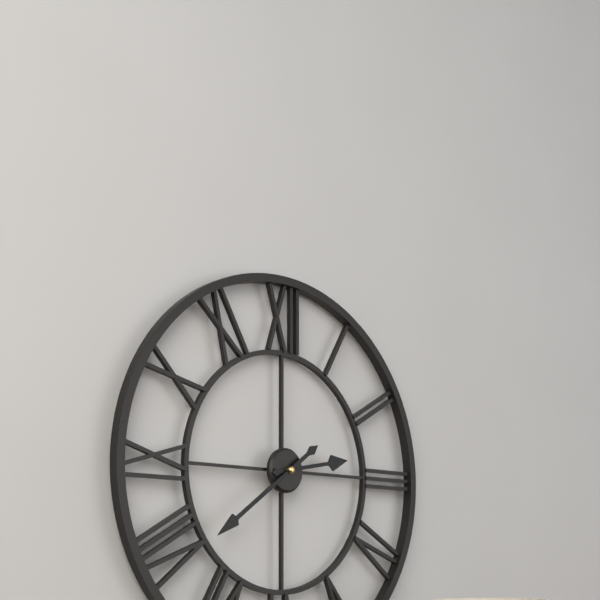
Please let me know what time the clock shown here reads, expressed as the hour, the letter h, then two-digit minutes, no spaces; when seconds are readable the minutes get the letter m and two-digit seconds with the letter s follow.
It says 2h39
